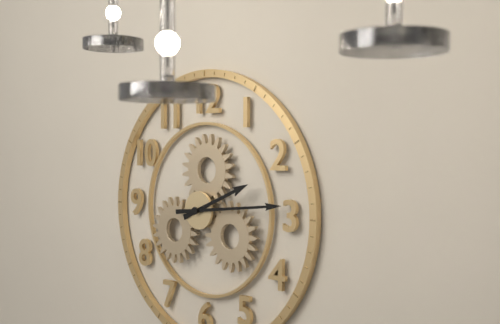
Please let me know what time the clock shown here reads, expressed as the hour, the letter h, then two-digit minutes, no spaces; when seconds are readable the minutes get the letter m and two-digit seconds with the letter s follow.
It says 2h14
